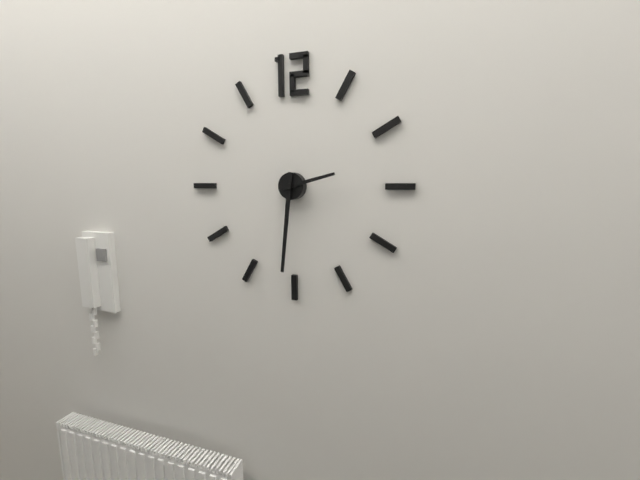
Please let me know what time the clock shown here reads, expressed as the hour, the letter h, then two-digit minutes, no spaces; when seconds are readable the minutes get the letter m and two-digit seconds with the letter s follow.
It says 2h31
